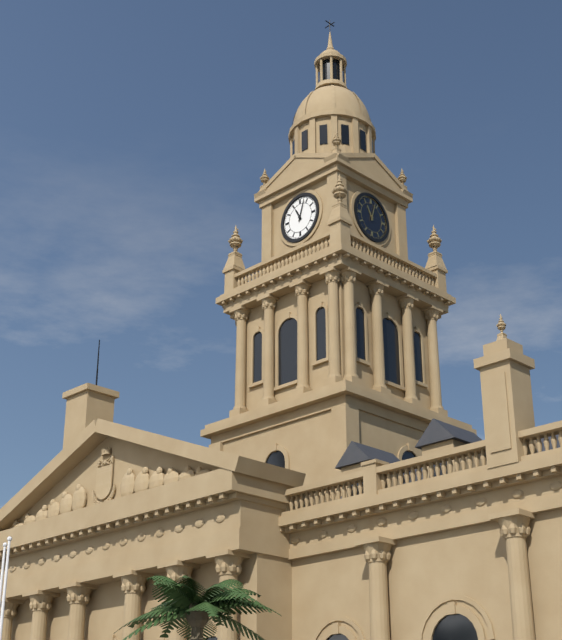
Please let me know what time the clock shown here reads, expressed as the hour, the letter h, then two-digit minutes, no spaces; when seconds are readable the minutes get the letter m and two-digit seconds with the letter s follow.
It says 11h03
